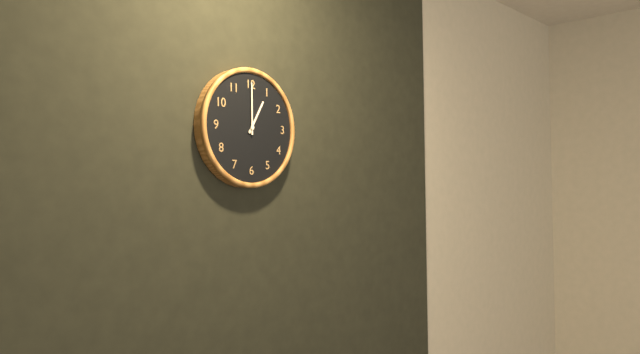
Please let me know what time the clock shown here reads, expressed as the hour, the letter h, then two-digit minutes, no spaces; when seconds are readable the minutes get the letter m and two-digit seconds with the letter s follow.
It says 1h00
